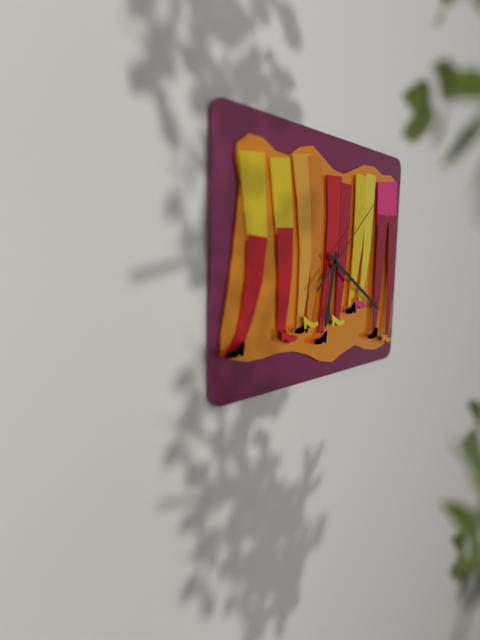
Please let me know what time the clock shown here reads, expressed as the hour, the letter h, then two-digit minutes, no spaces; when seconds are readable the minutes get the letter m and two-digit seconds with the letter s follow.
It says 6h20m08s
